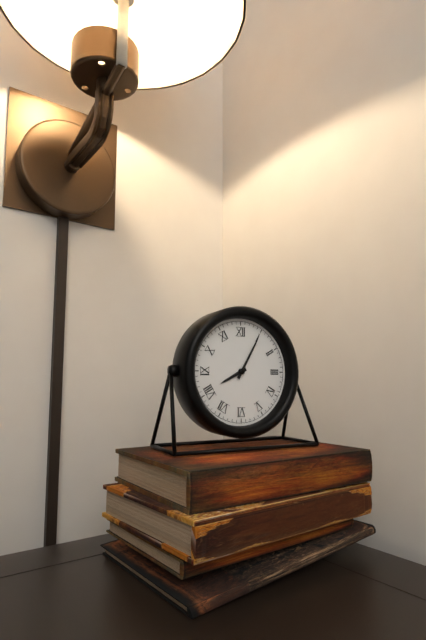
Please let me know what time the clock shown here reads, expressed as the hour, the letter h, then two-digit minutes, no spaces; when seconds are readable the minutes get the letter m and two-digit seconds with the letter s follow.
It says 8h05
